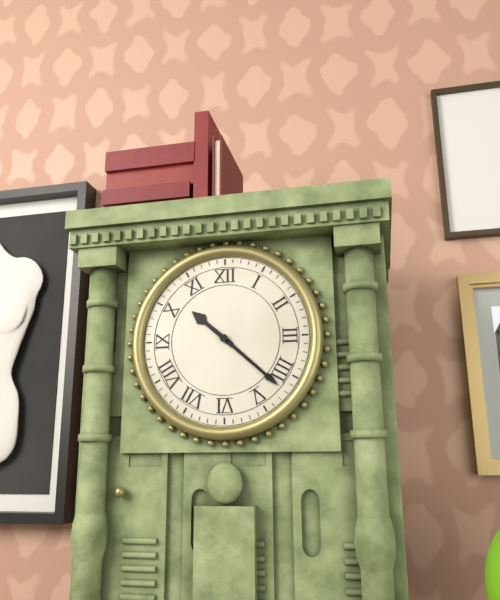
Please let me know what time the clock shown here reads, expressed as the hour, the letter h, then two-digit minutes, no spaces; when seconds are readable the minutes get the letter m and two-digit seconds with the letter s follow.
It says 10h22
